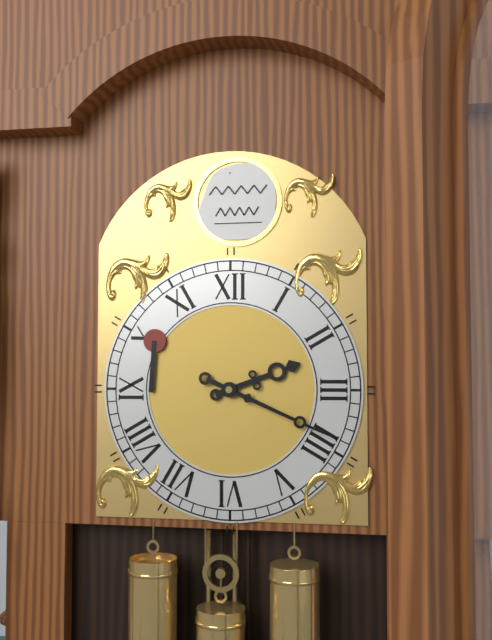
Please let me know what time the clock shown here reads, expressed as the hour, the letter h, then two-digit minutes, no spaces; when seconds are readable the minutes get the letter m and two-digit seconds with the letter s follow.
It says 2h19
